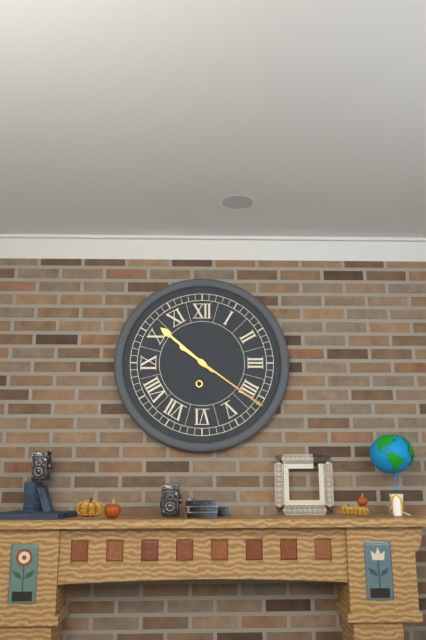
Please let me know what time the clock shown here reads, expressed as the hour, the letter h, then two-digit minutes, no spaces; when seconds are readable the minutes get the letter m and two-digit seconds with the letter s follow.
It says 10h21
